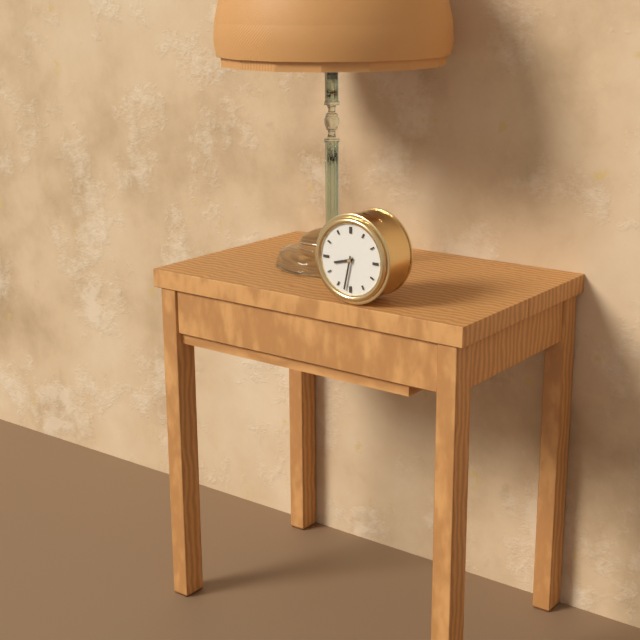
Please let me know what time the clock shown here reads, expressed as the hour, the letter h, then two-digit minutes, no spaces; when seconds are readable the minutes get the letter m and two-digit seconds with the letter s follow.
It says 8h32
